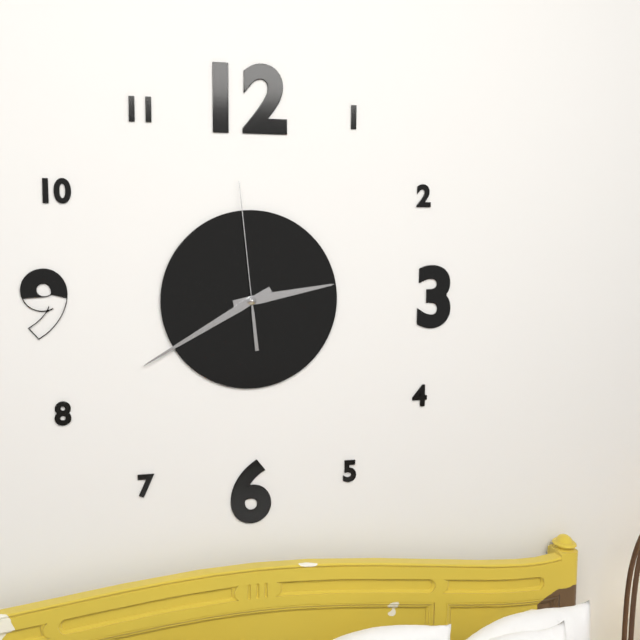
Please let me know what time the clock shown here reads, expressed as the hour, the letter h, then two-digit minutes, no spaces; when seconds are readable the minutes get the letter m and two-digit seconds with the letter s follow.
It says 2h40m59s
